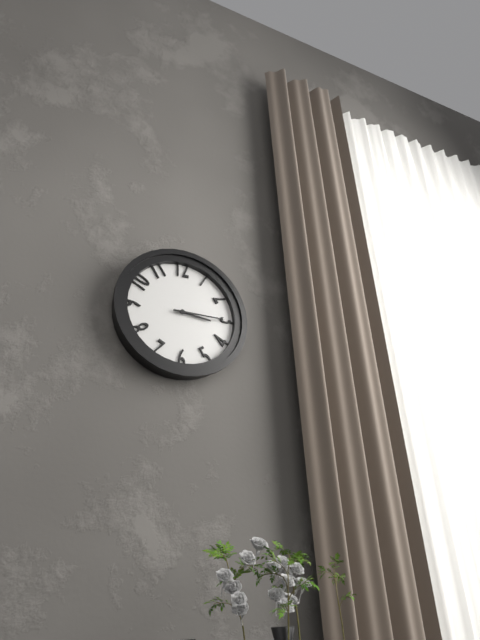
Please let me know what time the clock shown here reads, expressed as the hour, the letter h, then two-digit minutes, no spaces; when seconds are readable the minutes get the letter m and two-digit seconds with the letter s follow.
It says 3h15
